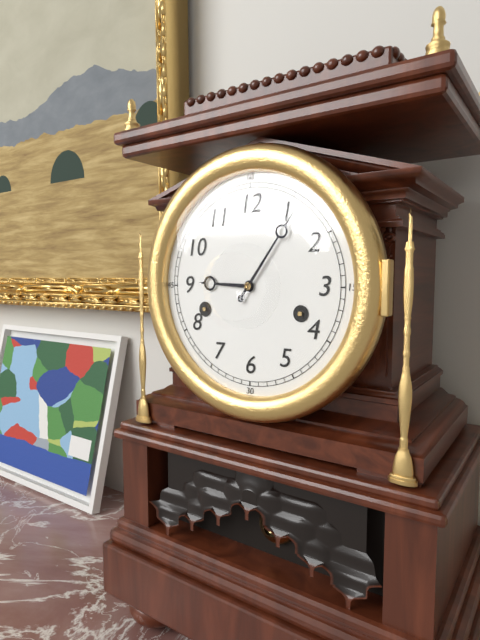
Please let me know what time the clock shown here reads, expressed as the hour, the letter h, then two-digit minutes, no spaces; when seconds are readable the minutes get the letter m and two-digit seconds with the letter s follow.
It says 9h06
